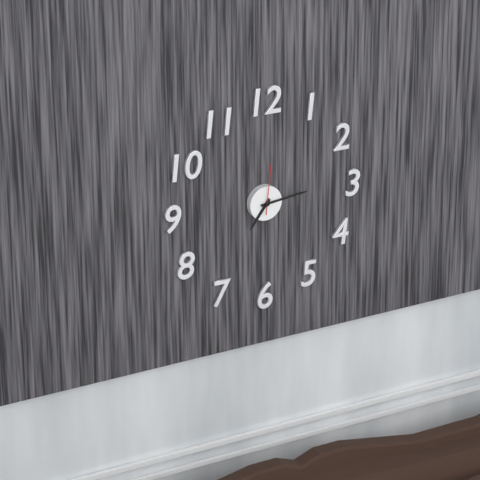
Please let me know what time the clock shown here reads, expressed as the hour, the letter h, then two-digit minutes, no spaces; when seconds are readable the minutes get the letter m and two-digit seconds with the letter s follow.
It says 7h14m01s
